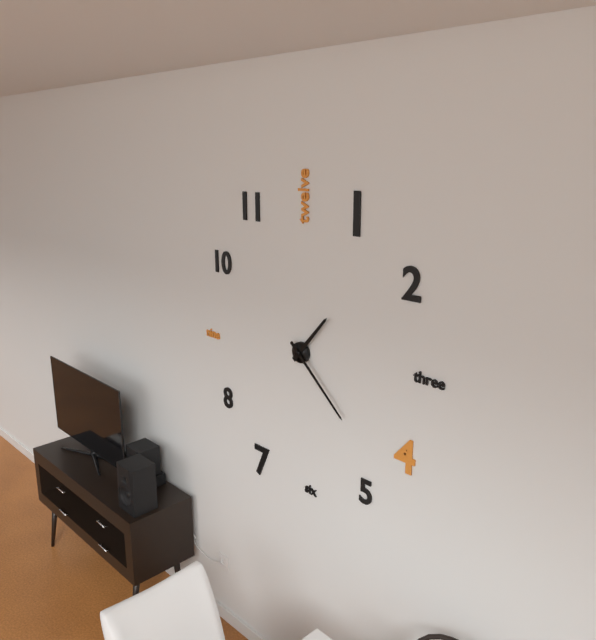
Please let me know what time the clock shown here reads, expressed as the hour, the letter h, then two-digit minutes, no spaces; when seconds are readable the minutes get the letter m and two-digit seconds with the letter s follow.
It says 1h22
